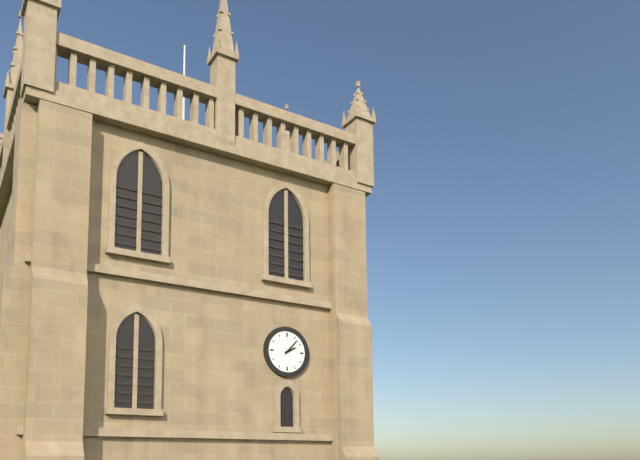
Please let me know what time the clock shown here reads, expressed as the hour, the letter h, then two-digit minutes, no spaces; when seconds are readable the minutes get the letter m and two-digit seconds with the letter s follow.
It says 2h07
